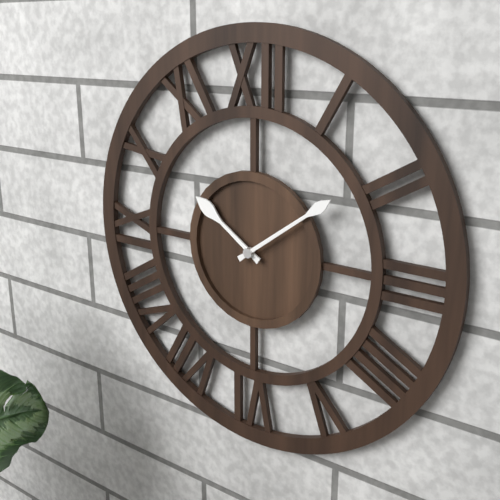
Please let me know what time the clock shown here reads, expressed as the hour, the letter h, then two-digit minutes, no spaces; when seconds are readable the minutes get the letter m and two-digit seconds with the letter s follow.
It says 10h09
